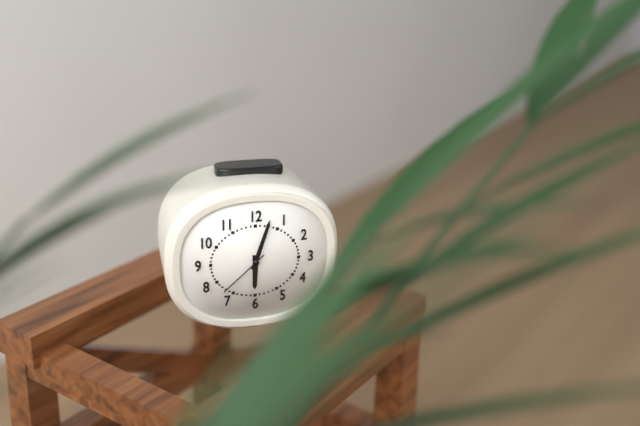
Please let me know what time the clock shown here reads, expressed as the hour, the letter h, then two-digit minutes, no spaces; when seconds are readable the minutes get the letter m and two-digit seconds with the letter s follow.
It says 6h03m38s
